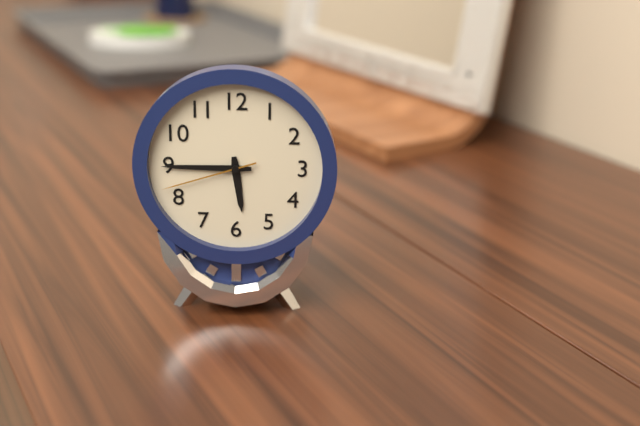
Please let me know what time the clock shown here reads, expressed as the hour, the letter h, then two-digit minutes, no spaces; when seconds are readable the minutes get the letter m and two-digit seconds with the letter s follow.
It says 5h45m42s
